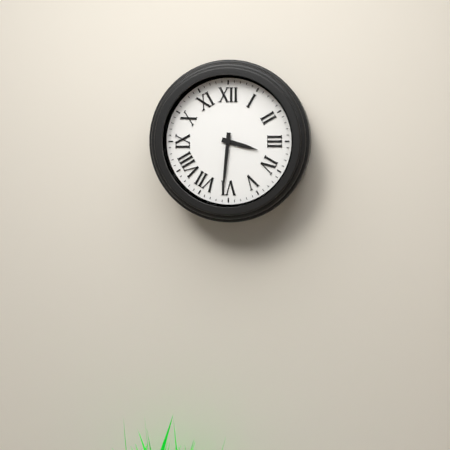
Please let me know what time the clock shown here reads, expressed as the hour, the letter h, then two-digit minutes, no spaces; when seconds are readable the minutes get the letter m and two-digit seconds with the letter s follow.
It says 3h31
